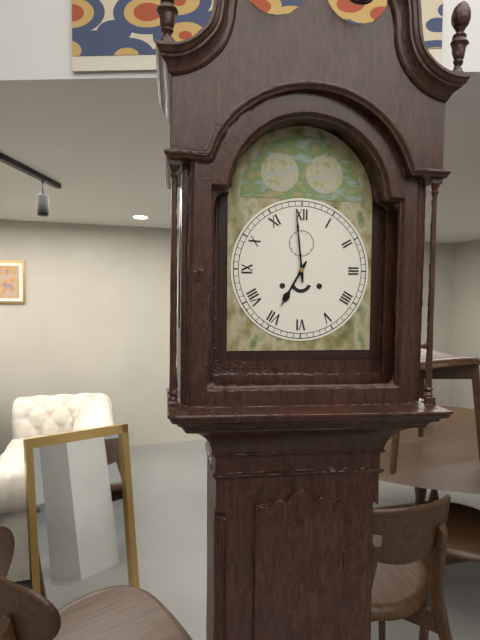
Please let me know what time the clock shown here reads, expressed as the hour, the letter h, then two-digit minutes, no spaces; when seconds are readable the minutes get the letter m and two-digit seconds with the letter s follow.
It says 6h59
